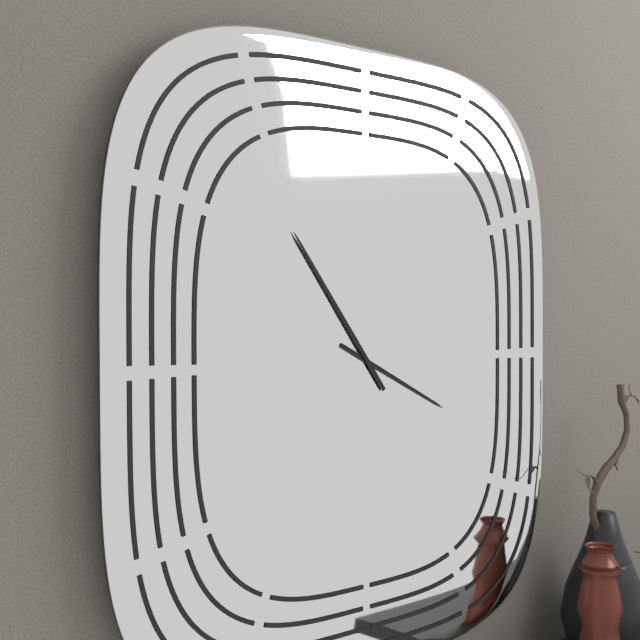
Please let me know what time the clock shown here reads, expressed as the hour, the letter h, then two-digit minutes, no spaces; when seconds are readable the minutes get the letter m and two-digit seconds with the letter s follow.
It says 3h54
